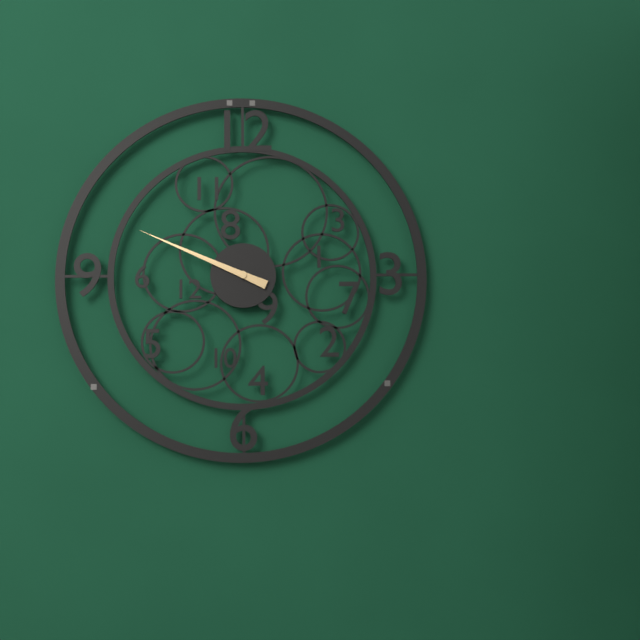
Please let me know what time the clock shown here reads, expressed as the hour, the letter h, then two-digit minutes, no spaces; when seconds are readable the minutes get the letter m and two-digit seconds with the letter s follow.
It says 9h49
